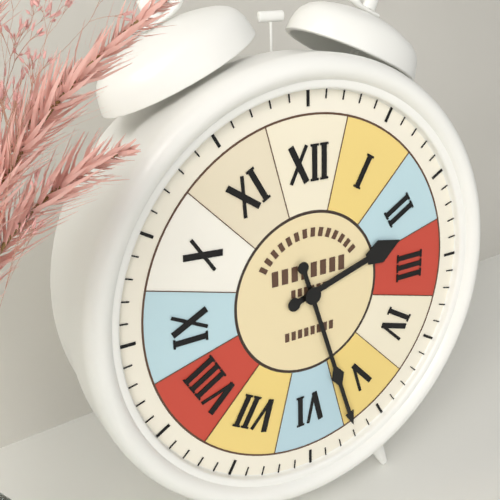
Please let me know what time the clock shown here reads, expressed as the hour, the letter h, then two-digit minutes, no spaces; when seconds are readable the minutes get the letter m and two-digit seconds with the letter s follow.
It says 2h27
